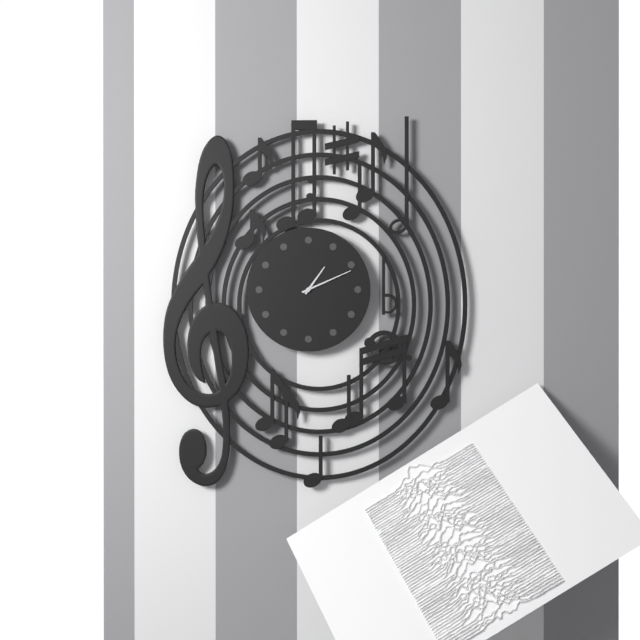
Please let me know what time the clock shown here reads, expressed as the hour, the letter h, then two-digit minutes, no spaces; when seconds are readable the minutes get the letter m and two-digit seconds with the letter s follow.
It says 1h11
